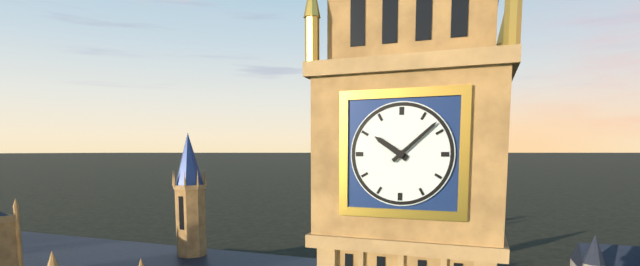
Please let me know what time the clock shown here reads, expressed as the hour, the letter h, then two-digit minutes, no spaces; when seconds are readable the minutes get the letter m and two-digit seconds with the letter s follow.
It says 10h08
